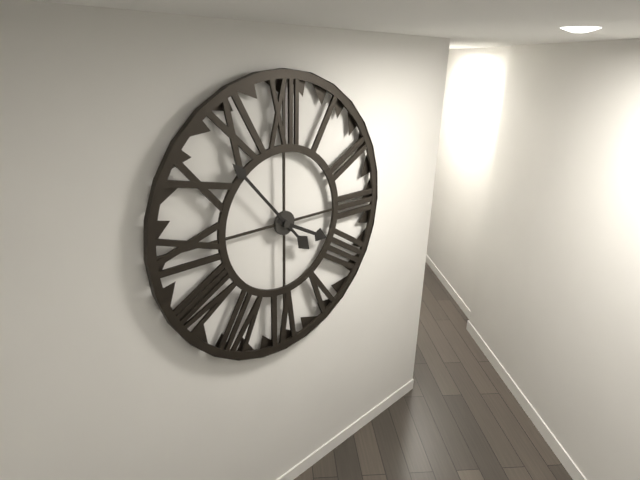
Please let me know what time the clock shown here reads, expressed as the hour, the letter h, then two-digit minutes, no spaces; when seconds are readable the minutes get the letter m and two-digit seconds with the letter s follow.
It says 3h53
